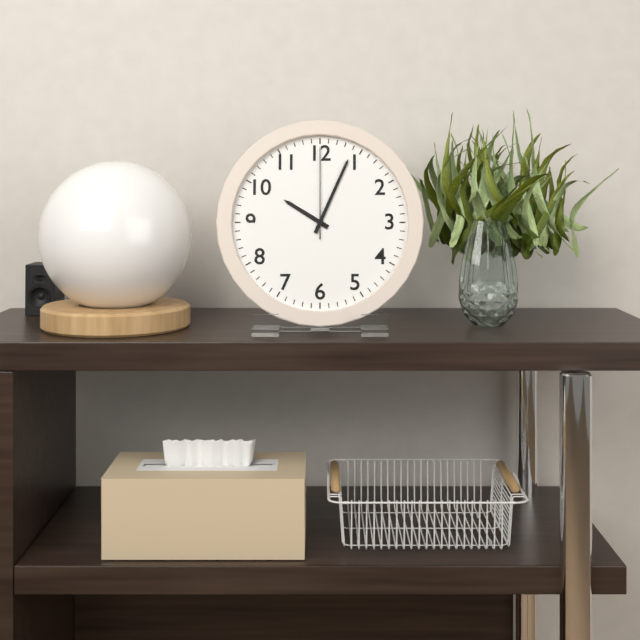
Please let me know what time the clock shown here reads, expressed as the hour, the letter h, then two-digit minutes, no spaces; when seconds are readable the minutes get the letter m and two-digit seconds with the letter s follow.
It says 10h04m00s
